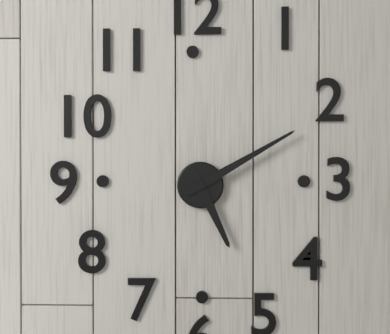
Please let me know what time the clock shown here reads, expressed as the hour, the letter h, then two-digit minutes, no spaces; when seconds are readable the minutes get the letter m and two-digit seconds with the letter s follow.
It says 5h10
